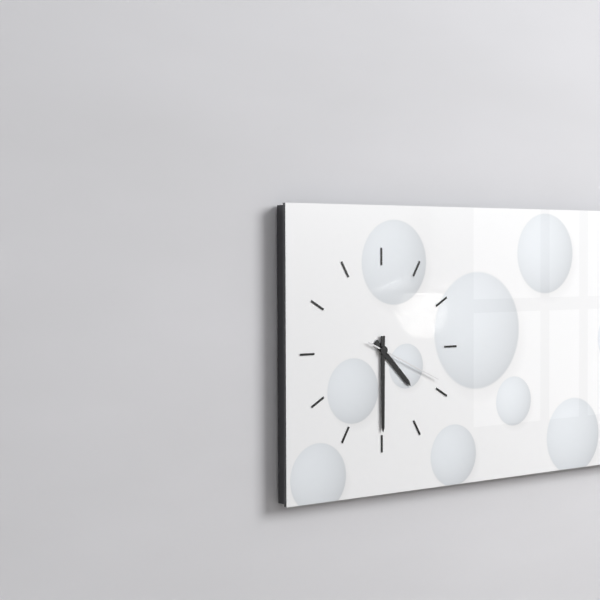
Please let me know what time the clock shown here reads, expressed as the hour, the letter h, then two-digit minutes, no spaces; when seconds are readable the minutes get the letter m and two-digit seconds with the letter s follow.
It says 4h30m19s
